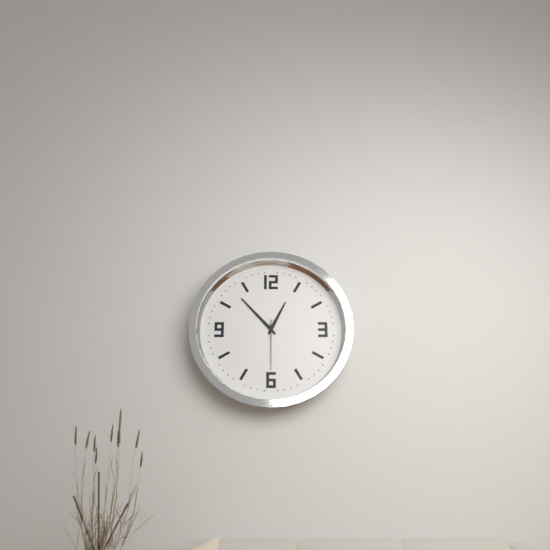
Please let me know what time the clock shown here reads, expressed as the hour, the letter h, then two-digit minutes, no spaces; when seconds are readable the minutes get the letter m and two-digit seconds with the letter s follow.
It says 12h53m30s
